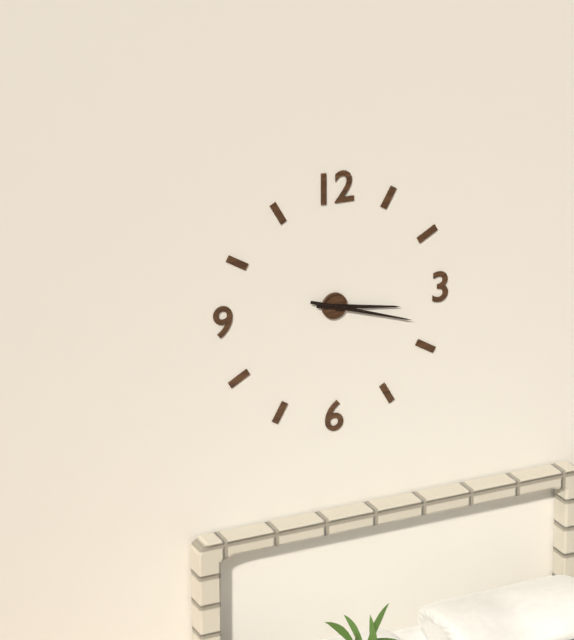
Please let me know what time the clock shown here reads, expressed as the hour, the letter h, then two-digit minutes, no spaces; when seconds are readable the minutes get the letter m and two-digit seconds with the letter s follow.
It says 3h18
